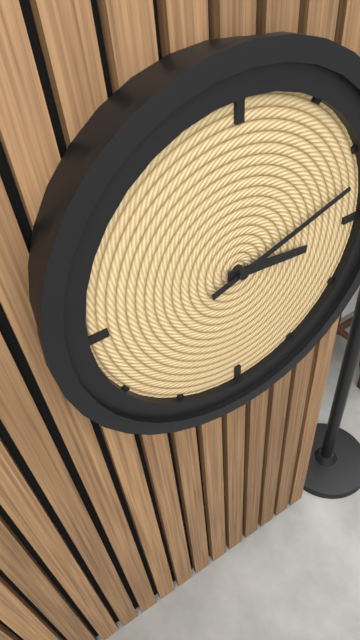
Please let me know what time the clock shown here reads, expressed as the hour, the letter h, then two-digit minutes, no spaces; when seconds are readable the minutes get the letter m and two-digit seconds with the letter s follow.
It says 3h12
